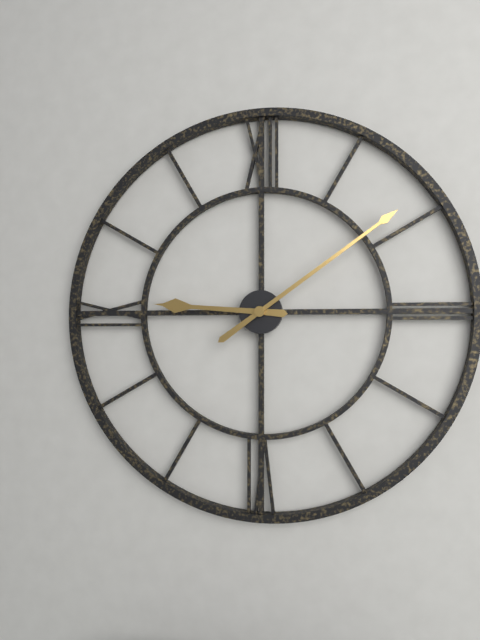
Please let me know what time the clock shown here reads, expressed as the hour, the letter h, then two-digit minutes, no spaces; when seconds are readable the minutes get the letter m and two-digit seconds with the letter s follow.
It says 9h09
